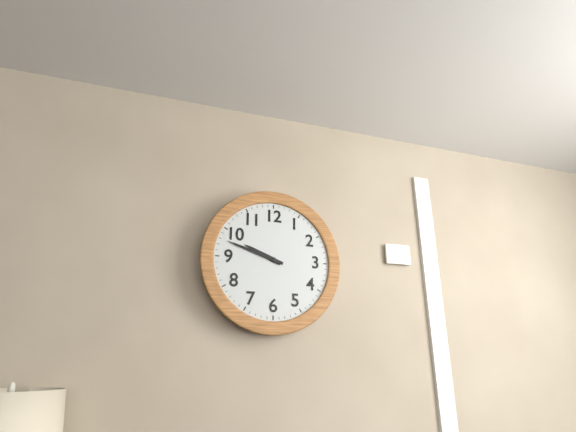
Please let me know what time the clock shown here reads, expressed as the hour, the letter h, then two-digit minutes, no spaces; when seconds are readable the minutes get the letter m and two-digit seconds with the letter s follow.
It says 9h48
